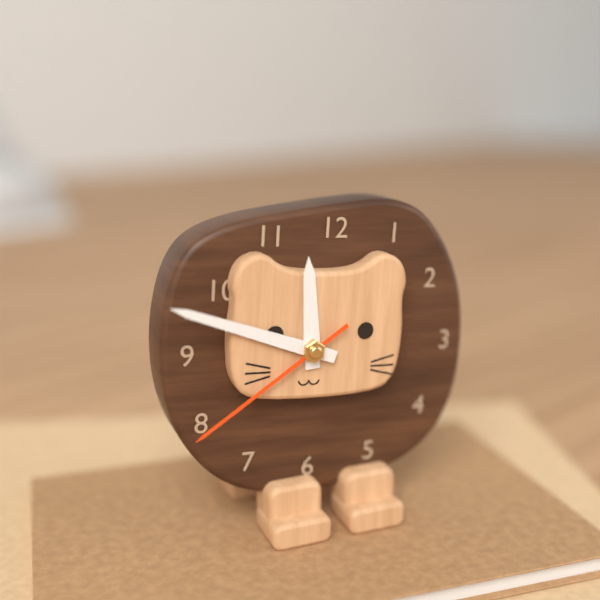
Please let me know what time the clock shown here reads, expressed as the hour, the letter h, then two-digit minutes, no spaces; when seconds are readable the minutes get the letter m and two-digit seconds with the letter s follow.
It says 11h48m39s
